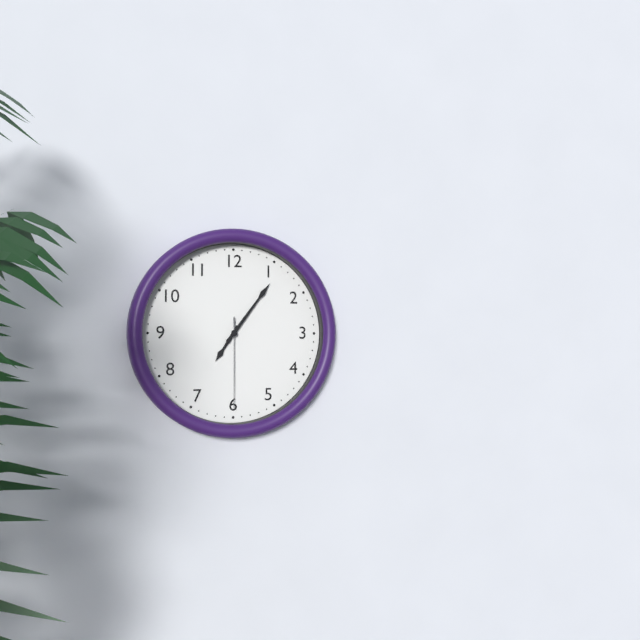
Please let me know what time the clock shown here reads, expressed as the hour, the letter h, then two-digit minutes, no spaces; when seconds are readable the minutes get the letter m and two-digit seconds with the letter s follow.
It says 7h06m30s
